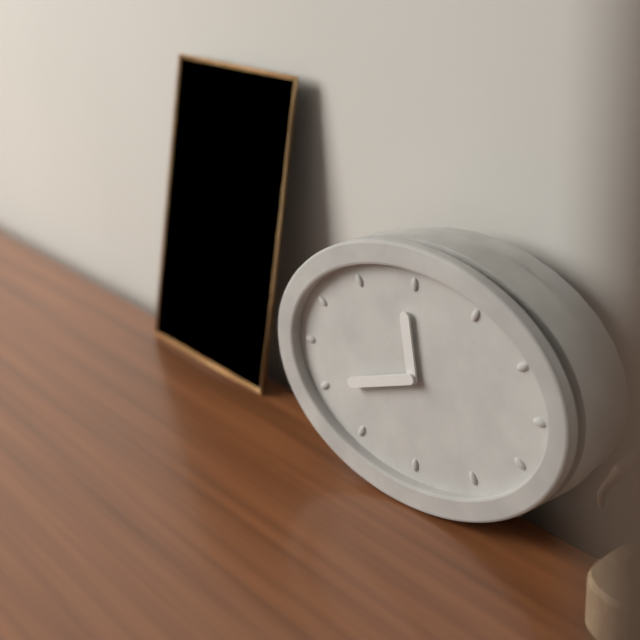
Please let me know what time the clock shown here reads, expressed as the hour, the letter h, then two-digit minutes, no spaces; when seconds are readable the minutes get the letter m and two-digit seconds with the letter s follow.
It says 11h42
